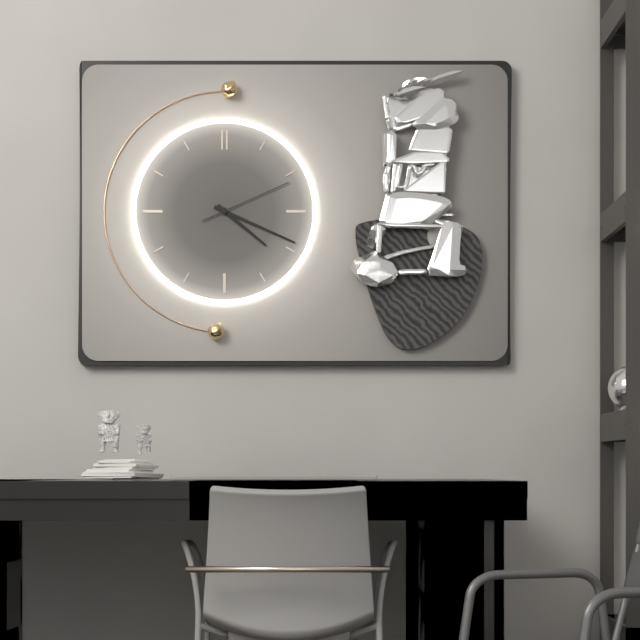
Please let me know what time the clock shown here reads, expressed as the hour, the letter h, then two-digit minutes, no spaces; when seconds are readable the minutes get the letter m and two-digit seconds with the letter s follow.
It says 4h19m11s
